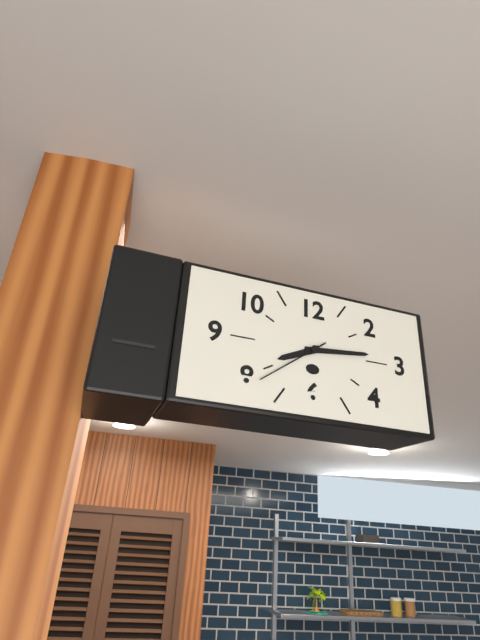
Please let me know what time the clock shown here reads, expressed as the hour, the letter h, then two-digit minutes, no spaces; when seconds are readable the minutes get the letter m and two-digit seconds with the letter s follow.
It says 8h14m39s
